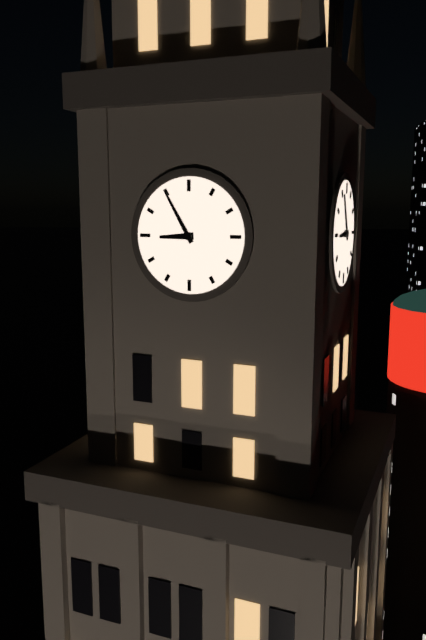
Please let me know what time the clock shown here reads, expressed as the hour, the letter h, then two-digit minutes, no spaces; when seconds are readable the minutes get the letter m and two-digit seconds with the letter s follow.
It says 8h55
